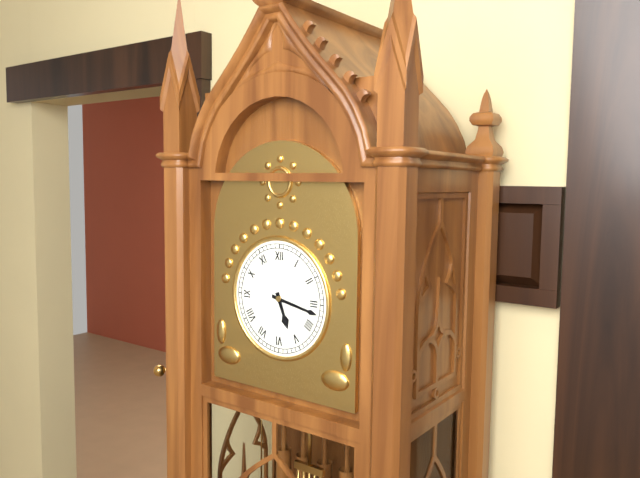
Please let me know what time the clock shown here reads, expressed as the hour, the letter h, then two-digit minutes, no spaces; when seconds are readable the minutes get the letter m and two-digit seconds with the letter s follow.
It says 5h17
